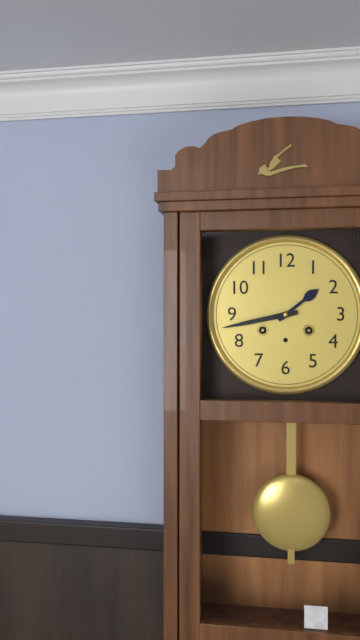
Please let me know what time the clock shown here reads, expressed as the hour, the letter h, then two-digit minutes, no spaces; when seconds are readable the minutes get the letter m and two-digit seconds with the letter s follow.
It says 1h43
